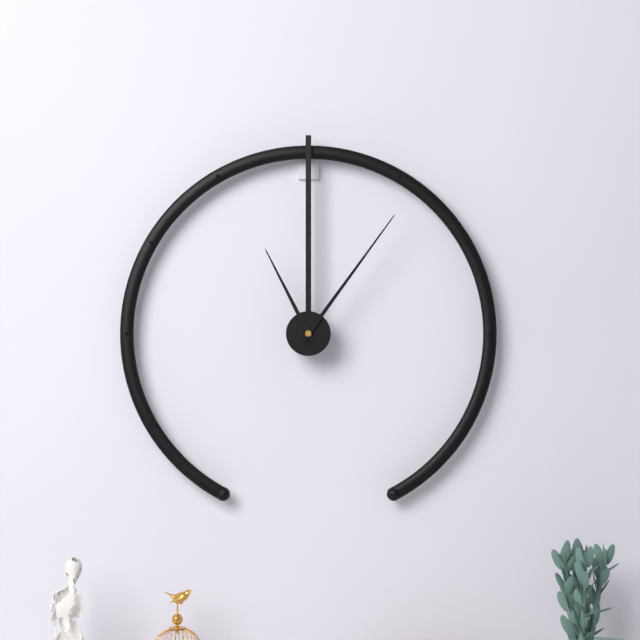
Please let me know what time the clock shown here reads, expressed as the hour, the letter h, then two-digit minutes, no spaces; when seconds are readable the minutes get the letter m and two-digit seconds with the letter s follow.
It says 11h06
